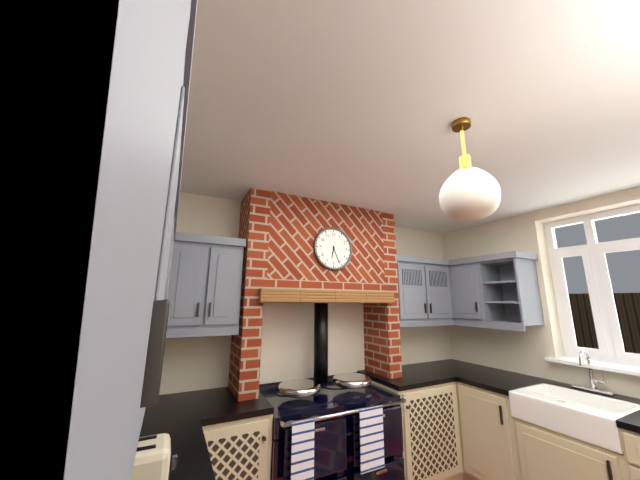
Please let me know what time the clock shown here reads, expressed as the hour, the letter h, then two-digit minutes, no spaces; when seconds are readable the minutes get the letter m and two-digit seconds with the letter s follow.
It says 6h26
